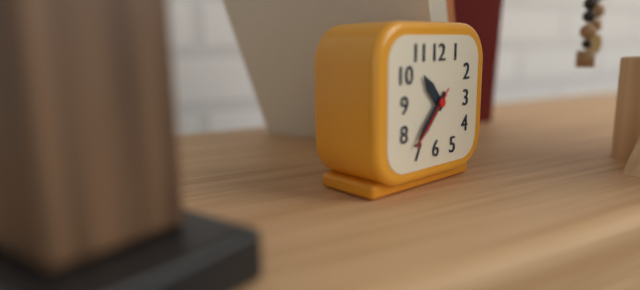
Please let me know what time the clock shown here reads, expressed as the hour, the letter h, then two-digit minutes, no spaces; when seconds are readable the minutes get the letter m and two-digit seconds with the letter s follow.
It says 10h37m37s
